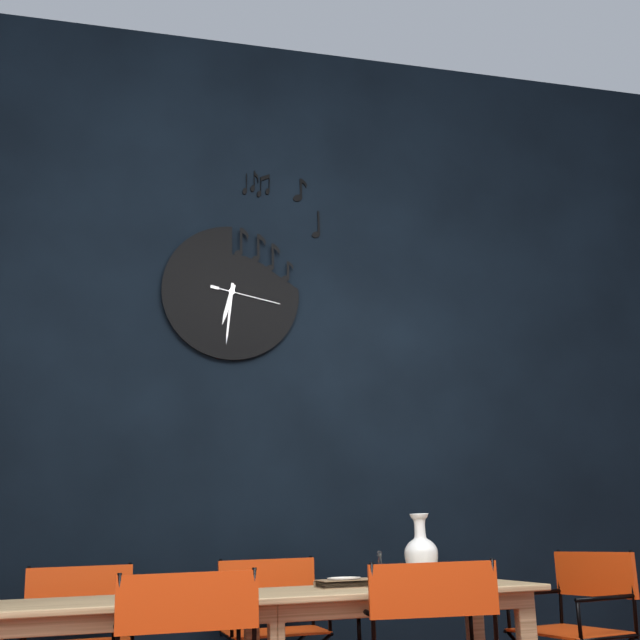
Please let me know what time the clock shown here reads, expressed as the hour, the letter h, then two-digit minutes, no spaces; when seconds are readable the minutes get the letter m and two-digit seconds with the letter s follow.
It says 6h31m17s
